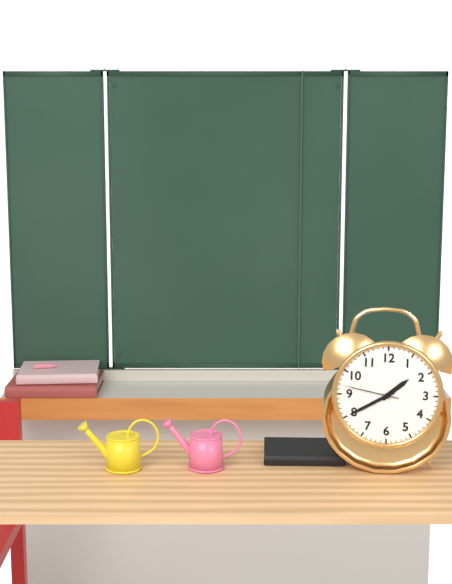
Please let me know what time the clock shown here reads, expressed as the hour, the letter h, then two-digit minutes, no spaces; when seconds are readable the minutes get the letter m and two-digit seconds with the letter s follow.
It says 1h40m47s
